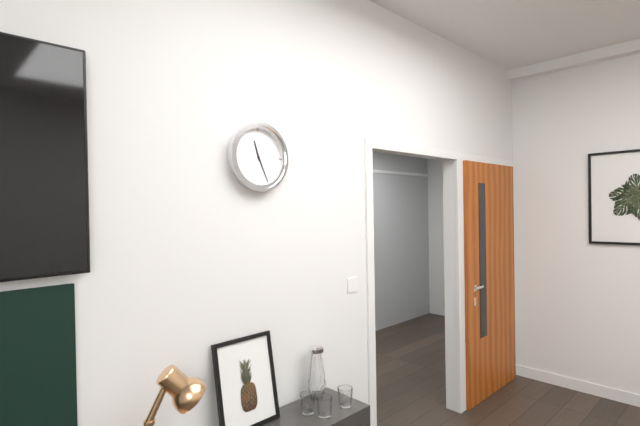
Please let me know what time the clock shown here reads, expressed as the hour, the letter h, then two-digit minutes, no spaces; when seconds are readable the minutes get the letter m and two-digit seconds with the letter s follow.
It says 11h26
